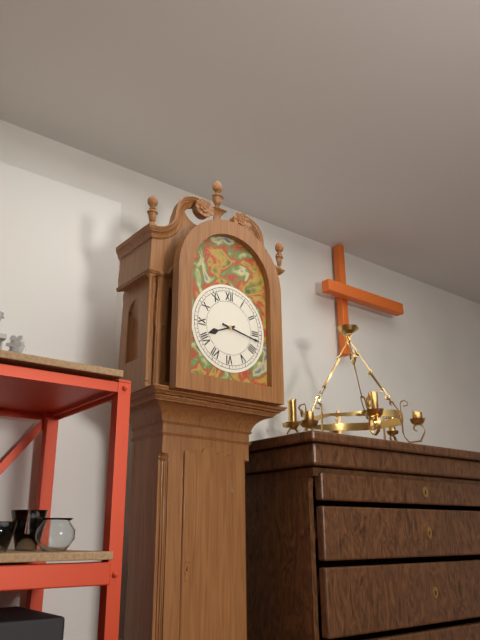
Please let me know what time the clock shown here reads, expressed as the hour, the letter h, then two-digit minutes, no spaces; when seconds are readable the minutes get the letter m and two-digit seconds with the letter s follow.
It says 8h17
